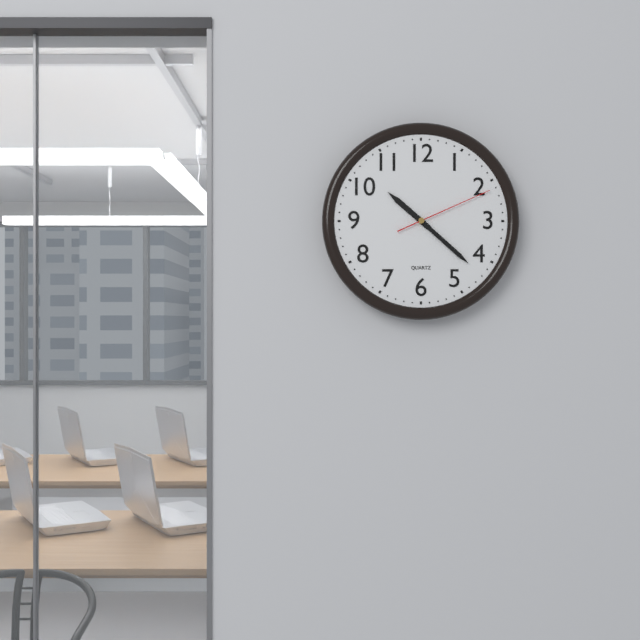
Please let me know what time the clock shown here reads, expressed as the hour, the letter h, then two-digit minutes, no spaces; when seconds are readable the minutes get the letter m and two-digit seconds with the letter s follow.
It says 10h22m11s
